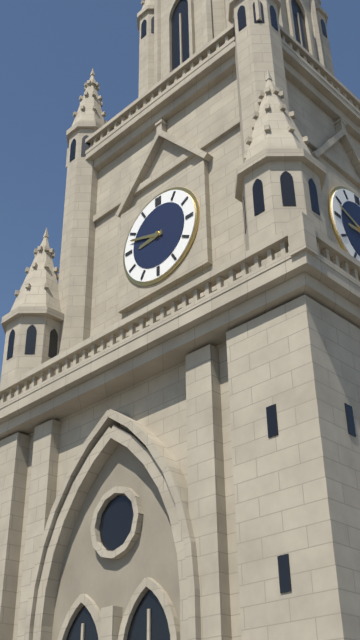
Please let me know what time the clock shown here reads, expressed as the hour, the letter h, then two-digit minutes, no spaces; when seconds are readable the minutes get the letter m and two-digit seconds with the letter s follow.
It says 8h48
